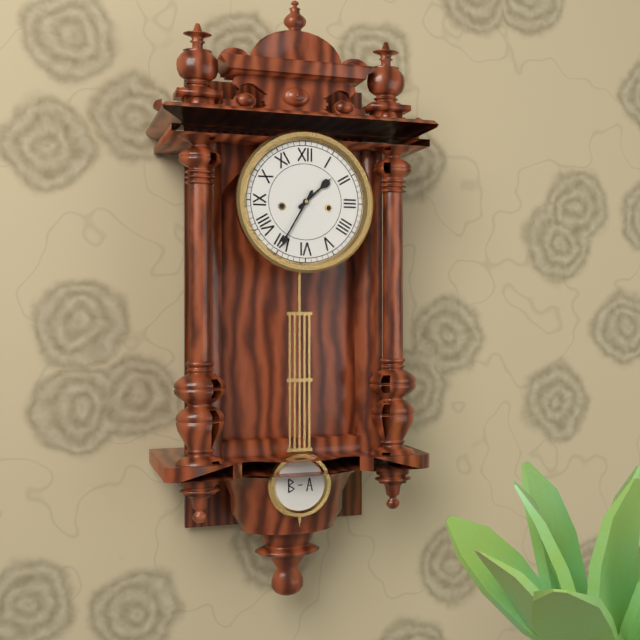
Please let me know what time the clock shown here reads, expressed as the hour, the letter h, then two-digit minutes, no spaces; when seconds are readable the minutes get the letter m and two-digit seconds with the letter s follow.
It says 1h35
